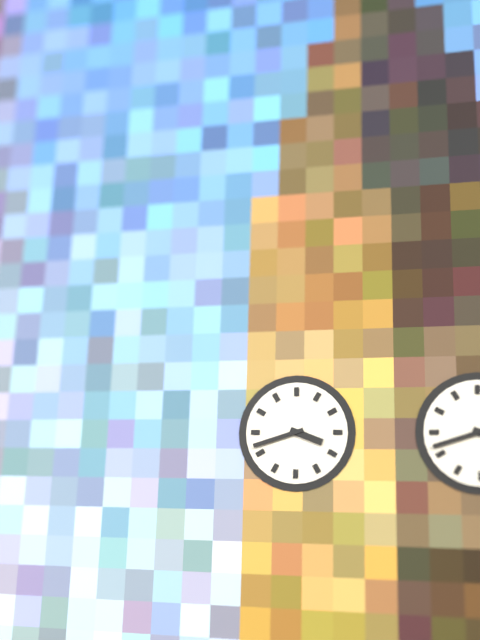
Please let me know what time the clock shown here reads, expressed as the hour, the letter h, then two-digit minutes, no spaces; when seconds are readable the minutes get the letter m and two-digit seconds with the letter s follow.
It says 3h42
